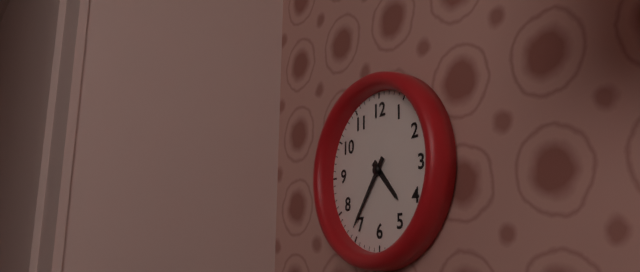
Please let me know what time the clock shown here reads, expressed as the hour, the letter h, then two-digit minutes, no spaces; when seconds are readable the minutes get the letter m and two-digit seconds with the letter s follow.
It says 4h36
